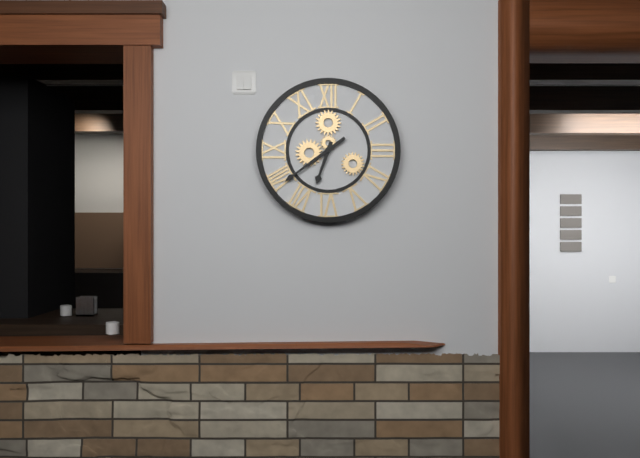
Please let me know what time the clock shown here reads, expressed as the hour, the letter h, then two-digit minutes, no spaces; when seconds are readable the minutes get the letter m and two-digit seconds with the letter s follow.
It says 6h39
